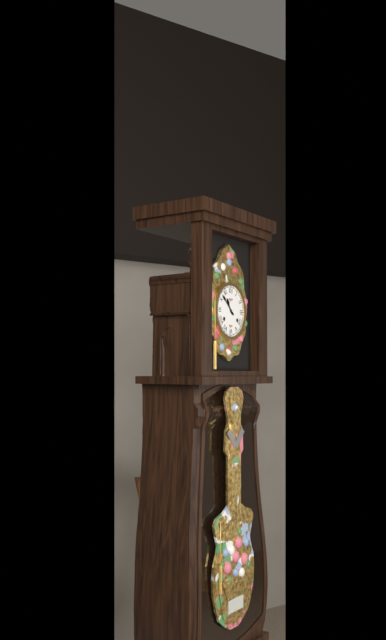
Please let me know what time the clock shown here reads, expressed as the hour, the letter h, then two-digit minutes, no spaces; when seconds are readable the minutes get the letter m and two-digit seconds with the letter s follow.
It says 10h52
